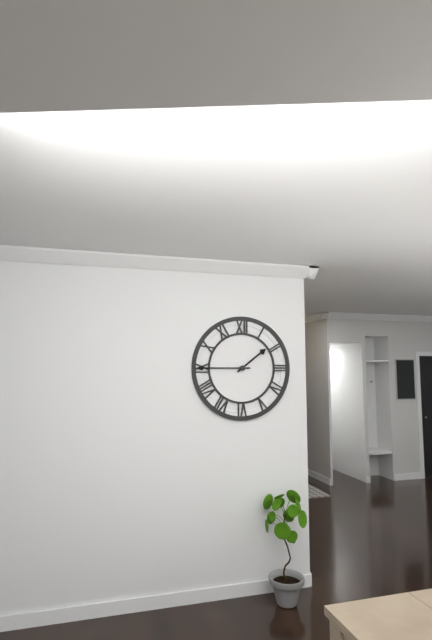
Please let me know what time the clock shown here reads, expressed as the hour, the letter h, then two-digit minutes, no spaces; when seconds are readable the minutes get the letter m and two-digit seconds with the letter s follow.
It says 1h45
